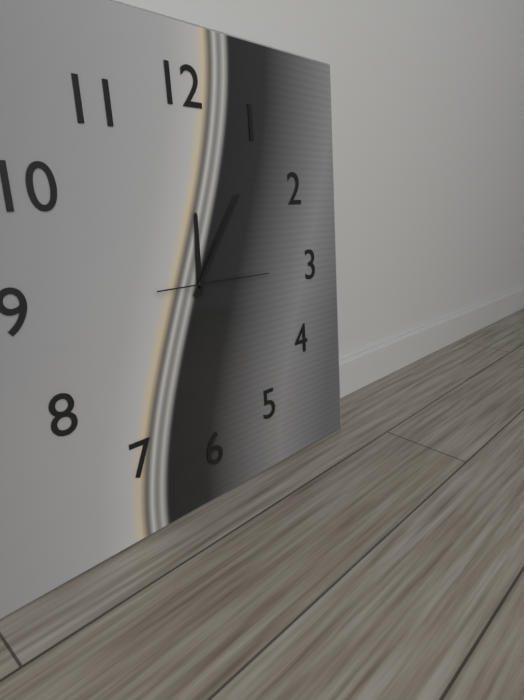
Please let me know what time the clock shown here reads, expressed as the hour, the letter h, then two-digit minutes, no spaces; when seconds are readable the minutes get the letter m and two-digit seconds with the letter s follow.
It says 12h06m15s
